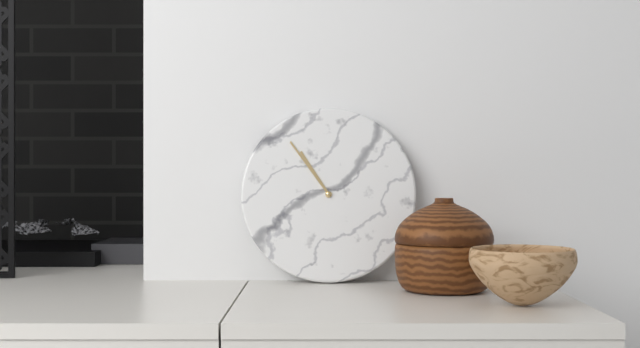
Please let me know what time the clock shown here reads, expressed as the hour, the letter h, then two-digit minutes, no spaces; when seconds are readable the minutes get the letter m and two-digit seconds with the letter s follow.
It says 10h54
